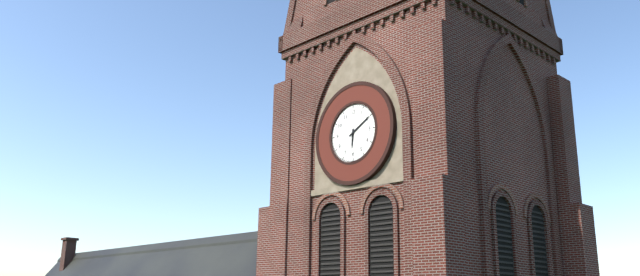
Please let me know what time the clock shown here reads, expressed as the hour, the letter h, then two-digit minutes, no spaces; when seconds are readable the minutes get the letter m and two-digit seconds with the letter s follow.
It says 6h10
